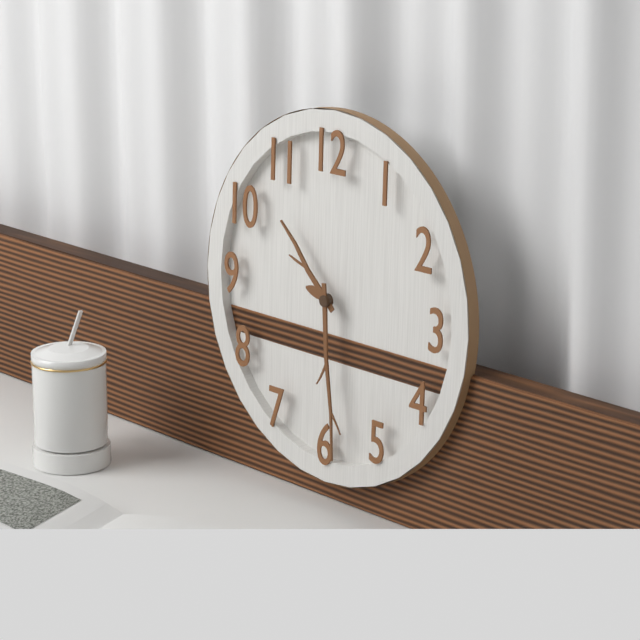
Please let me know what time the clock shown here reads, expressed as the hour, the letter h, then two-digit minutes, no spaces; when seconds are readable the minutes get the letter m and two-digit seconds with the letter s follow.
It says 10h29
